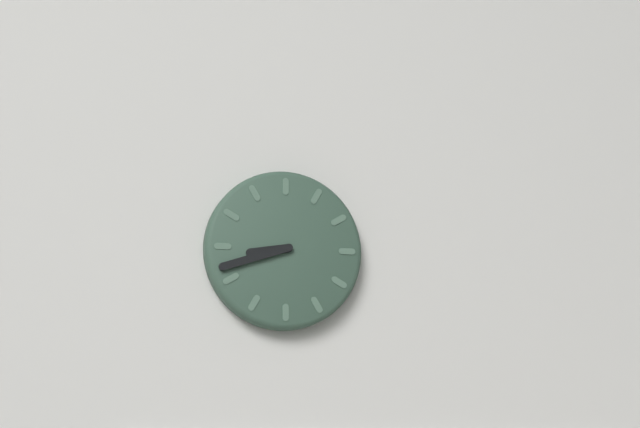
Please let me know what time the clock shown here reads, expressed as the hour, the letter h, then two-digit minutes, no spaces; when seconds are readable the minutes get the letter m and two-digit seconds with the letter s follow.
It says 8h42
